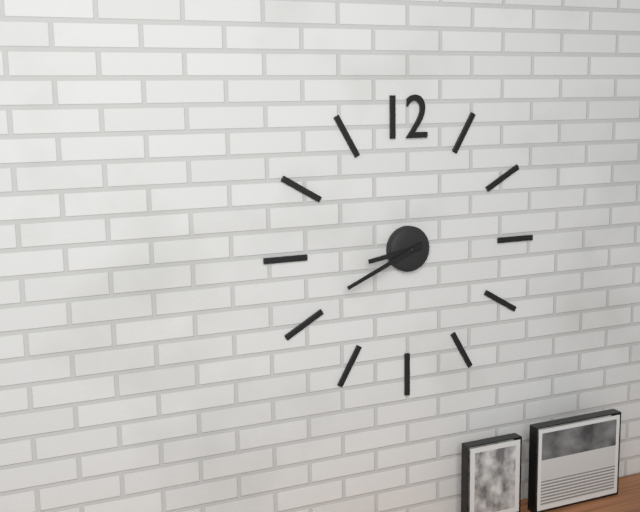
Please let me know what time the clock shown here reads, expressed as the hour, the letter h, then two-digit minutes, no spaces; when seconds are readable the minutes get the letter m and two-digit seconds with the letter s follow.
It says 8h41
